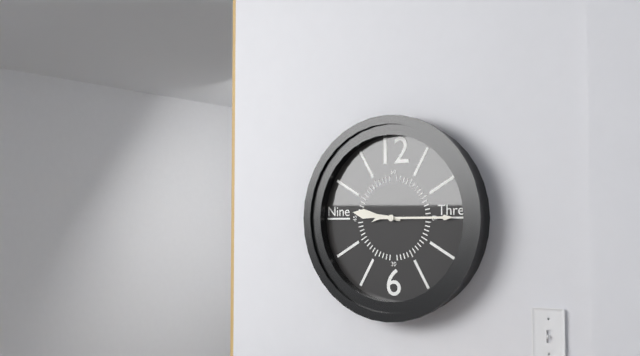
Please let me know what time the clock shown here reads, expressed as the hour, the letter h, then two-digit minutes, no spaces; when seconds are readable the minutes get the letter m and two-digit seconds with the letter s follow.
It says 9h15
